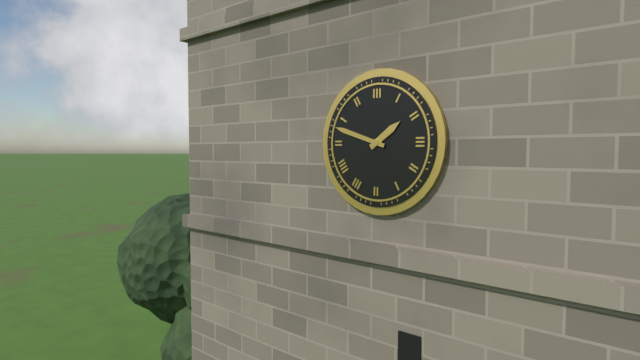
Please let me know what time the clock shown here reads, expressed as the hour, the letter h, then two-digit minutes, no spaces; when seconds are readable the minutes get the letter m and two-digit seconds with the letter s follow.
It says 1h48
